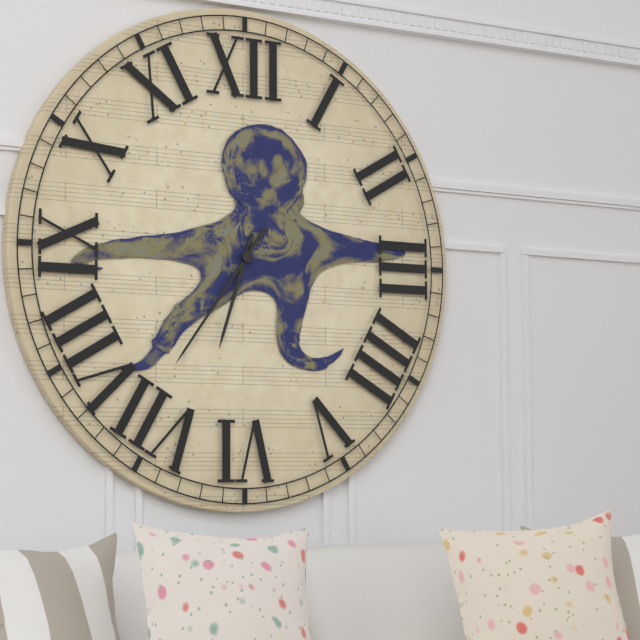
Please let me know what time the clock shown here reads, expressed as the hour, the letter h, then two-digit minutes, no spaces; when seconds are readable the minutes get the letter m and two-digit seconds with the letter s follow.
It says 6h36
